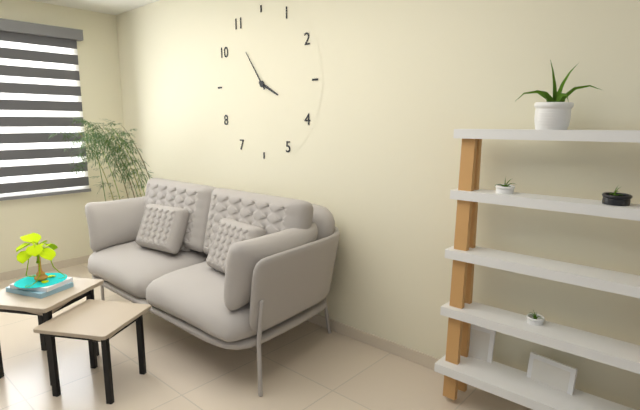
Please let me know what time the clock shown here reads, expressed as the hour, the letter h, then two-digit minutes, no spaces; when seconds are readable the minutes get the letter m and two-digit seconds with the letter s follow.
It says 3h54
